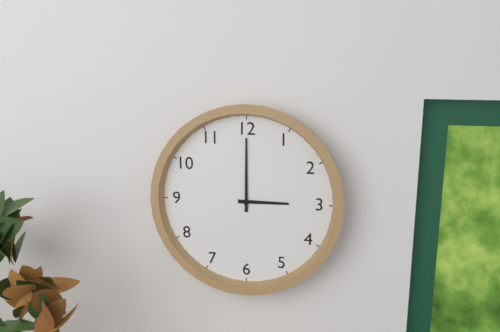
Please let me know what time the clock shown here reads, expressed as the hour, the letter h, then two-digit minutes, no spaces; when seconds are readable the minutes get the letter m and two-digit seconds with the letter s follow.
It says 3h00
